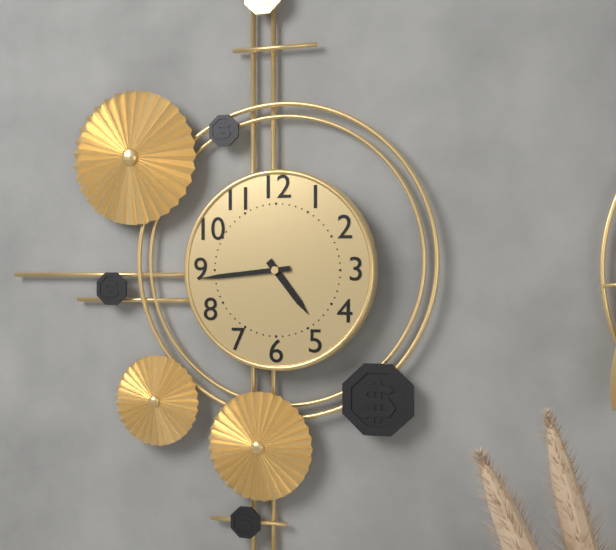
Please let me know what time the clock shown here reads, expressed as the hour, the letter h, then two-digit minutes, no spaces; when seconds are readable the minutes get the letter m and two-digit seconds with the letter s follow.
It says 4h44
